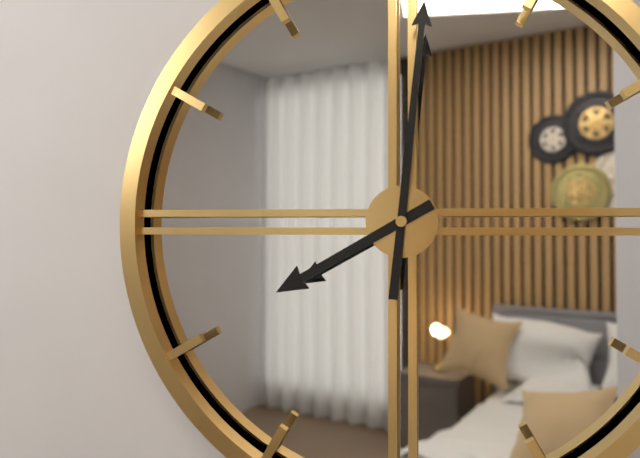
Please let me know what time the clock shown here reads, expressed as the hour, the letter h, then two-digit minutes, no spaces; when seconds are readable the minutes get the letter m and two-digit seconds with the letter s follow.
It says 8h01
